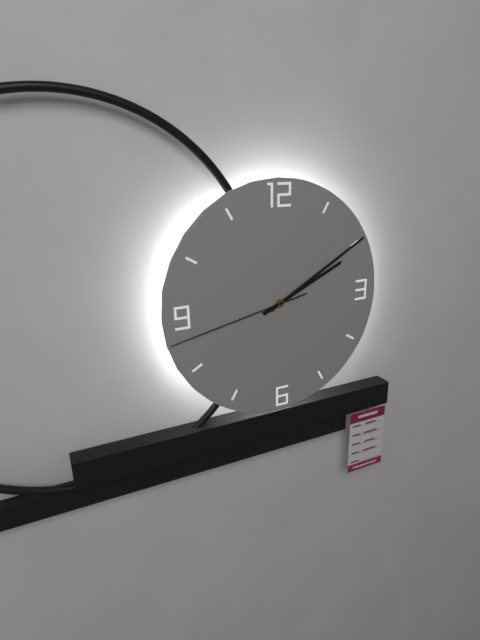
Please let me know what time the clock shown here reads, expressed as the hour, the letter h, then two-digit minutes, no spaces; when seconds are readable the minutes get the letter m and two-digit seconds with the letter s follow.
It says 2h10m43s
